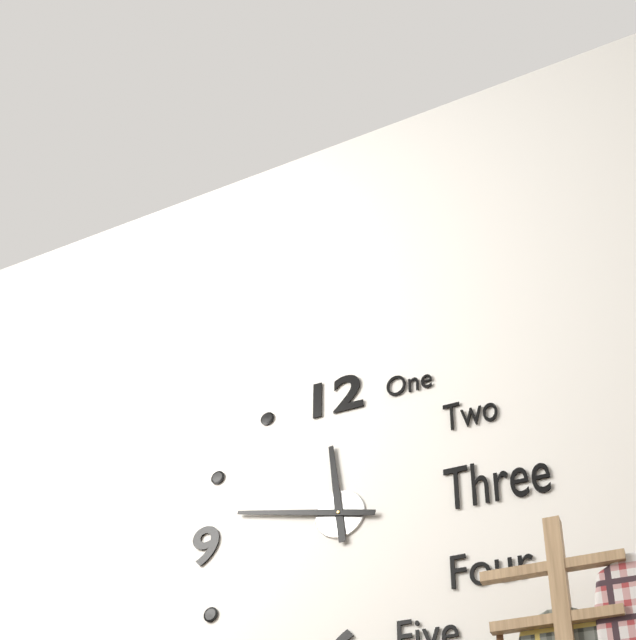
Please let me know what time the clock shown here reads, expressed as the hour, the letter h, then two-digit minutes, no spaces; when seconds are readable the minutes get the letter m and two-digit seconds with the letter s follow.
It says 11h47
